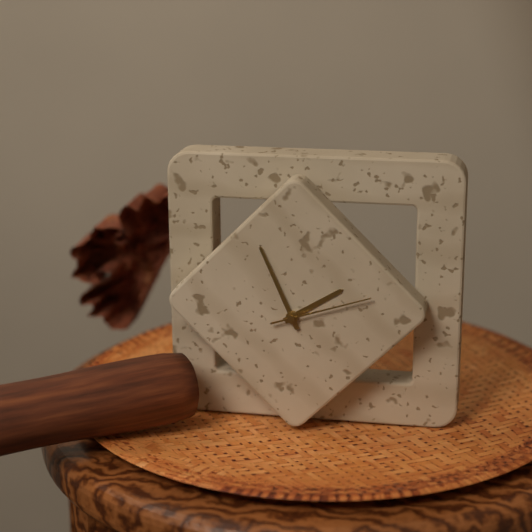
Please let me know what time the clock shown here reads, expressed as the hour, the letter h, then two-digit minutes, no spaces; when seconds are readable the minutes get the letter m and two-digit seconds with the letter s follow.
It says 1h56m12s
